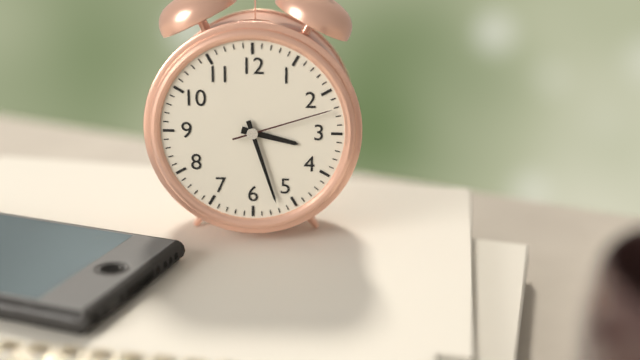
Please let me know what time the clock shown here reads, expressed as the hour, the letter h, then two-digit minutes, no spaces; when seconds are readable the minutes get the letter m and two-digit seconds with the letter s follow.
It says 3h27m12s
